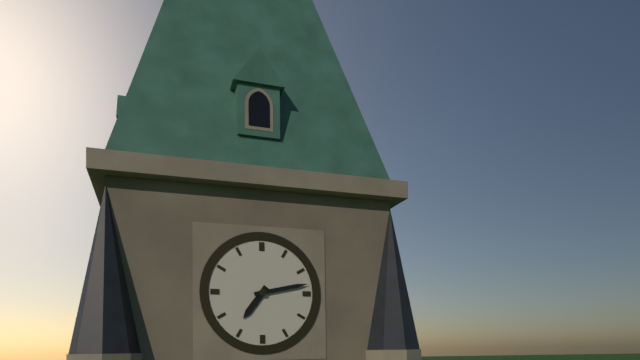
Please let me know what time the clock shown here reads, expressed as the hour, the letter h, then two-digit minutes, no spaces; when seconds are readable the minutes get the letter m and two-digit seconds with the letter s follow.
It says 7h13
